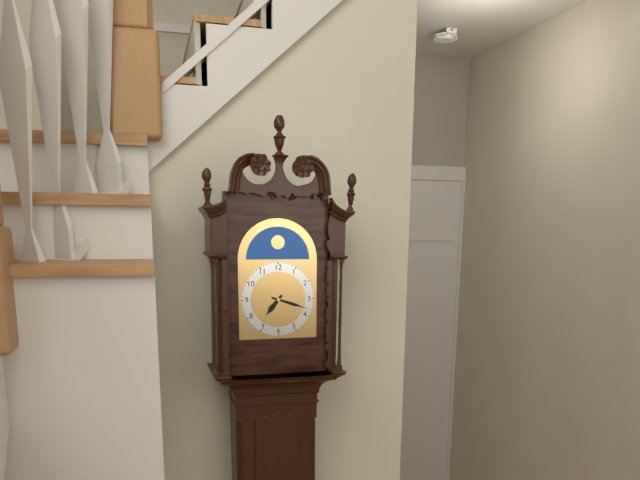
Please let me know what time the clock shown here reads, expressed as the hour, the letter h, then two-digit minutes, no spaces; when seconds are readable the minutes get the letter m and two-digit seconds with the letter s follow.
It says 7h18
